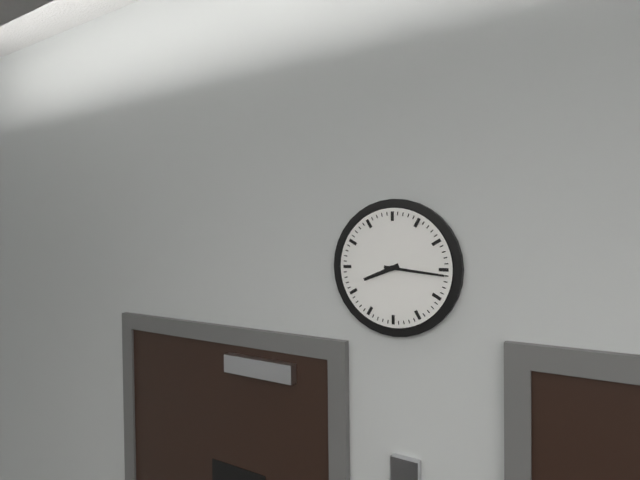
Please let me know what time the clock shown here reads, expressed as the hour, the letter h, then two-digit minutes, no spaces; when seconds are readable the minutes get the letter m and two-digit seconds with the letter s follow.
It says 8h16
